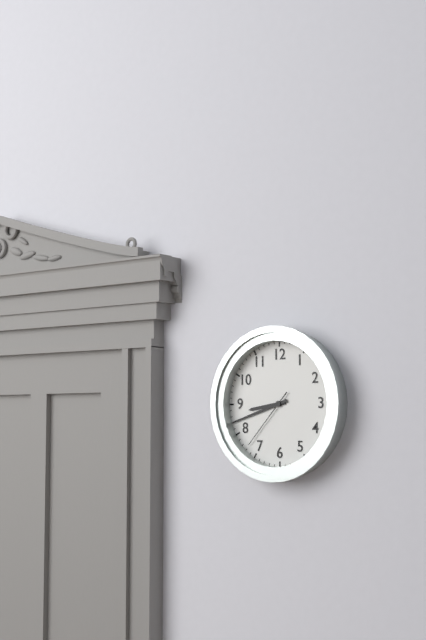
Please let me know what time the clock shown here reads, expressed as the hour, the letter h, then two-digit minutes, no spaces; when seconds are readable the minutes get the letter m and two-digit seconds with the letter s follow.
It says 8h42m37s
